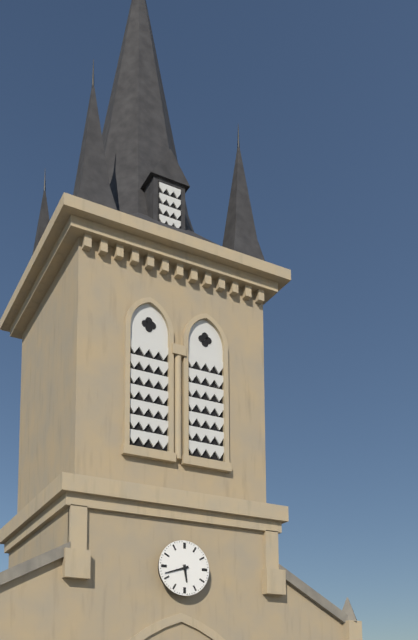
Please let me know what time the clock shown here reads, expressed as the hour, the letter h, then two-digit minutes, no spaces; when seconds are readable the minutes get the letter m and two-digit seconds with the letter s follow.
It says 5h42
